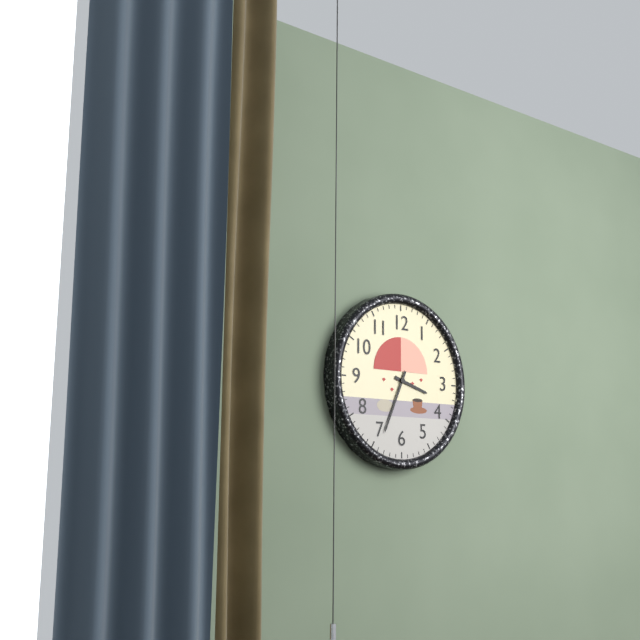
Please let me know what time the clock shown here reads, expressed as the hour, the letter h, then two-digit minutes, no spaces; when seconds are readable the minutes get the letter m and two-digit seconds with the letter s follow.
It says 3h34
